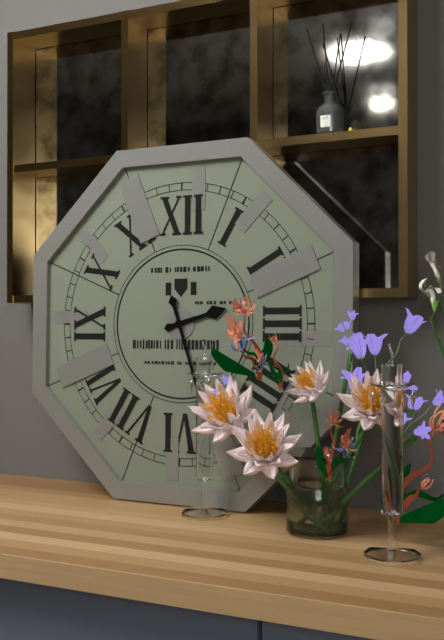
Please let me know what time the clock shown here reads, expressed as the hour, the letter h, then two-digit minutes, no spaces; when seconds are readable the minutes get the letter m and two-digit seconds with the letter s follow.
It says 2h27
